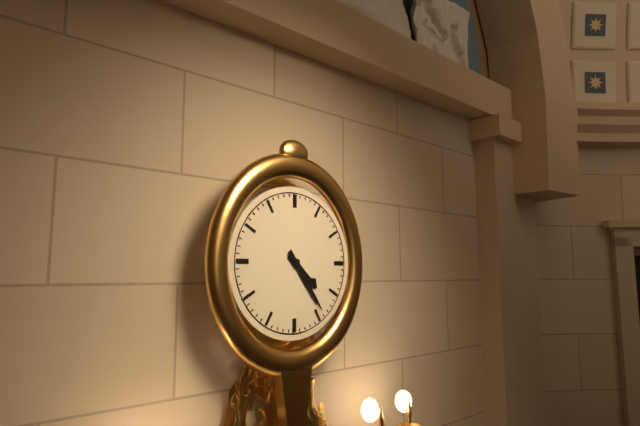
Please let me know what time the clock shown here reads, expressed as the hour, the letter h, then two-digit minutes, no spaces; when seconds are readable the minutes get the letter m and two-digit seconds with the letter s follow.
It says 4h24
